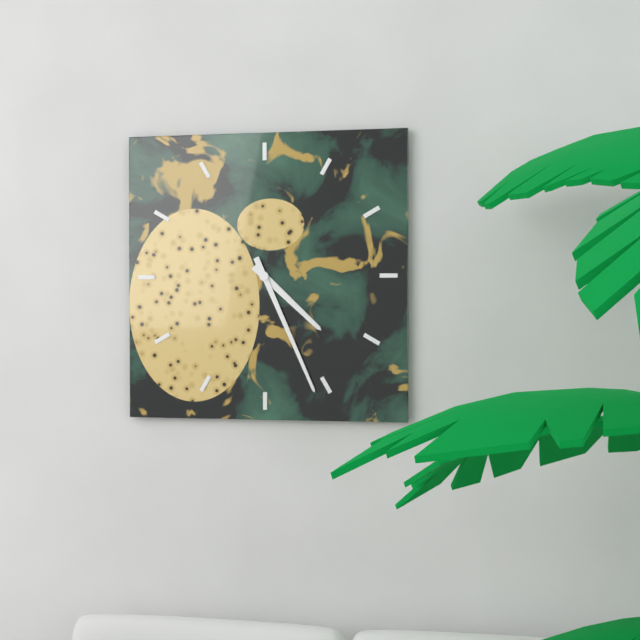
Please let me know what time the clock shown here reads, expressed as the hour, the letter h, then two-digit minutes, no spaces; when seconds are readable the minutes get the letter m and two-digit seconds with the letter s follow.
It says 4h26
